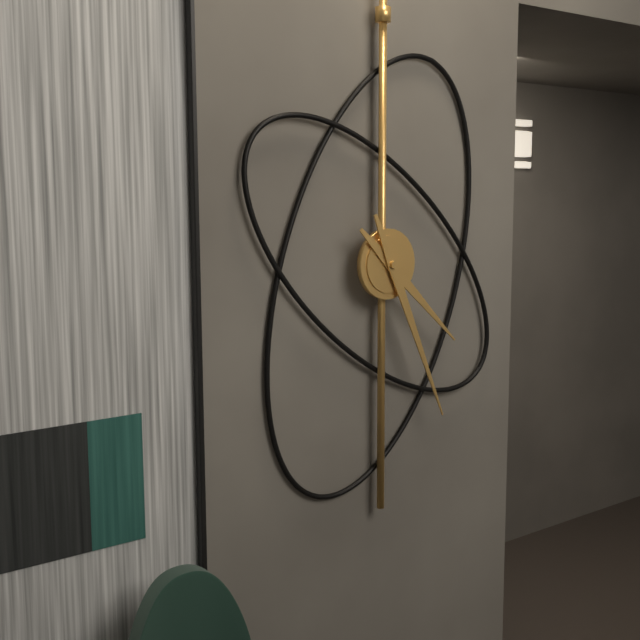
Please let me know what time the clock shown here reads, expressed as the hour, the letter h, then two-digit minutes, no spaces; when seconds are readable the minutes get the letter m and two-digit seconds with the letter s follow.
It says 4h26
